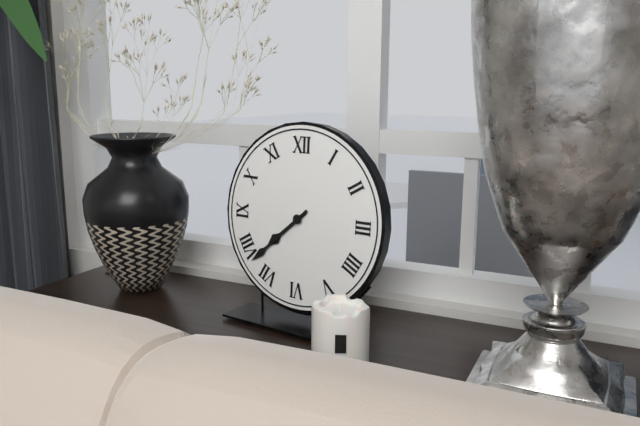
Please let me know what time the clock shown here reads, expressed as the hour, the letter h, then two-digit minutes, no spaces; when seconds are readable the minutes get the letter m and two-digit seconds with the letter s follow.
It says 7h38
